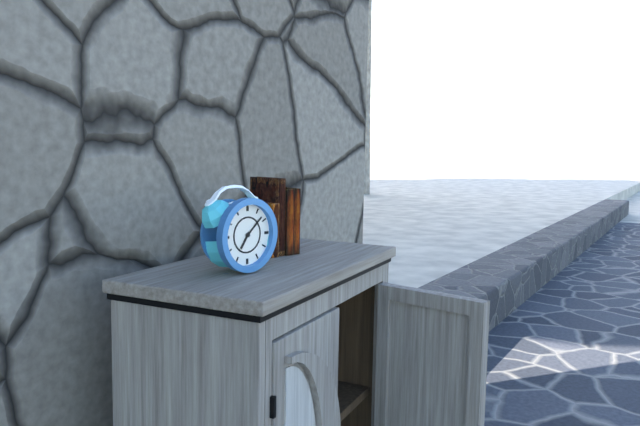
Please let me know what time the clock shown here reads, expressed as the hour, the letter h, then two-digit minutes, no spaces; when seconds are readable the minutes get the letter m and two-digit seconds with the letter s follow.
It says 7h08
